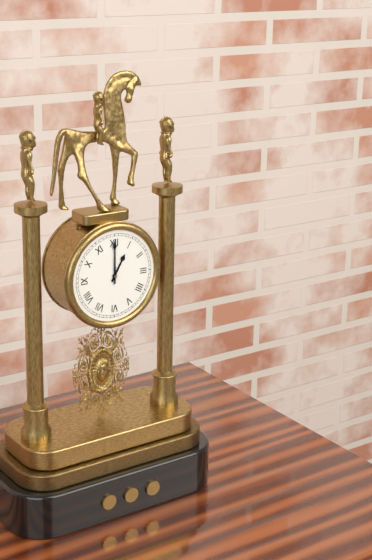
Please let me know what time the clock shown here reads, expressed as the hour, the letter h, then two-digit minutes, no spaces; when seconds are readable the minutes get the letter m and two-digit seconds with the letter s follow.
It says 1h00
